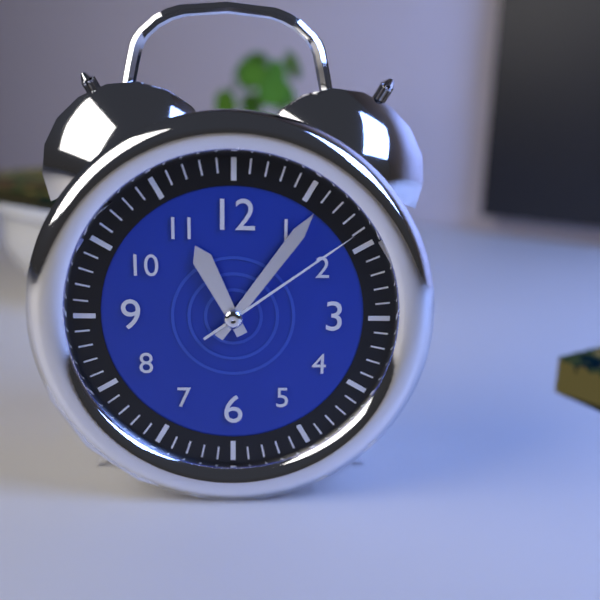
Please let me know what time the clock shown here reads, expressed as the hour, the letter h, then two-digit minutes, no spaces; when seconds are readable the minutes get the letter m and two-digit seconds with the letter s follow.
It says 11h06m09s
